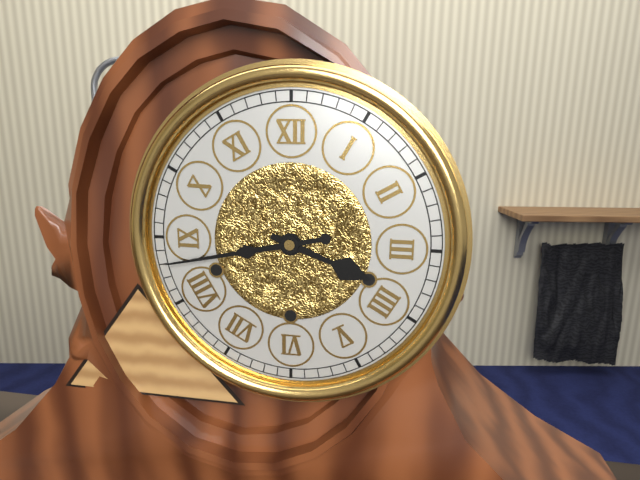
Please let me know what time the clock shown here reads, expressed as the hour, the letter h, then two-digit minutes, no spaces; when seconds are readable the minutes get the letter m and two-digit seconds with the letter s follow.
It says 3h43
